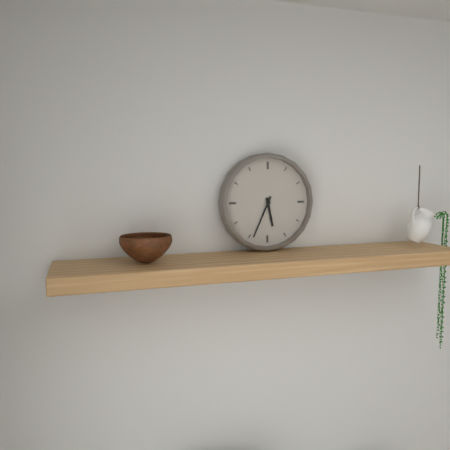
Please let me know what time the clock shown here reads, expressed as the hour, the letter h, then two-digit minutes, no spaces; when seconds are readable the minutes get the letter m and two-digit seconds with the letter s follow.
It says 5h34
